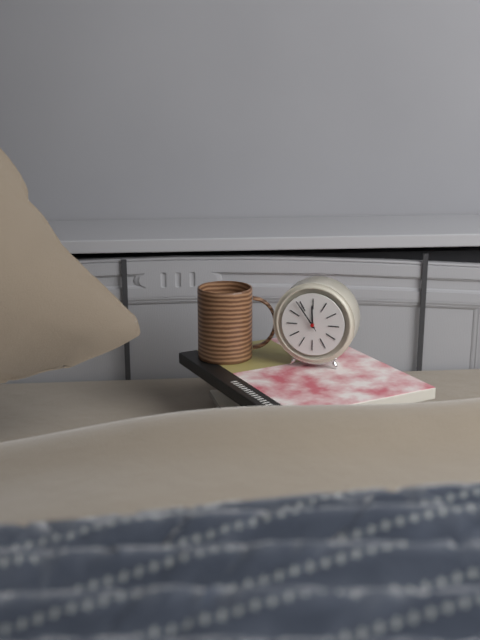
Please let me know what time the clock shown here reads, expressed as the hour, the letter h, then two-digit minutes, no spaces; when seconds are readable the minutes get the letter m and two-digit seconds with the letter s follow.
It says 11h54
